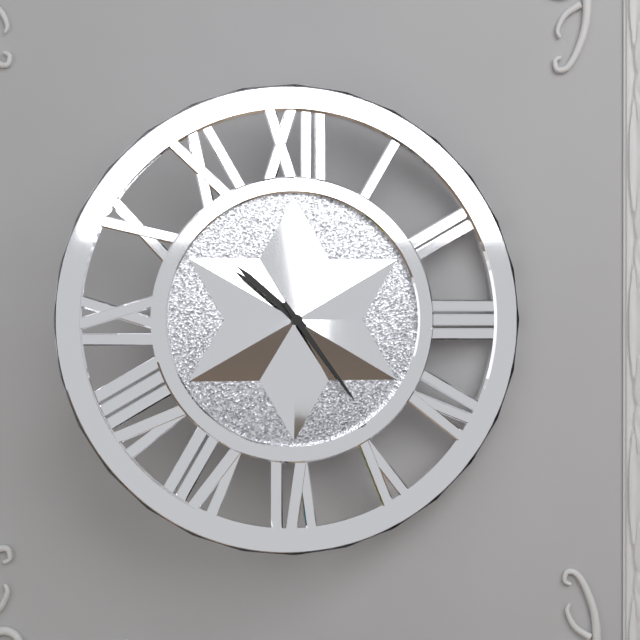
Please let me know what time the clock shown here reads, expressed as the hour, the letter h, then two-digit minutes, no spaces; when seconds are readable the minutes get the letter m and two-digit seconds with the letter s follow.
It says 10h24
